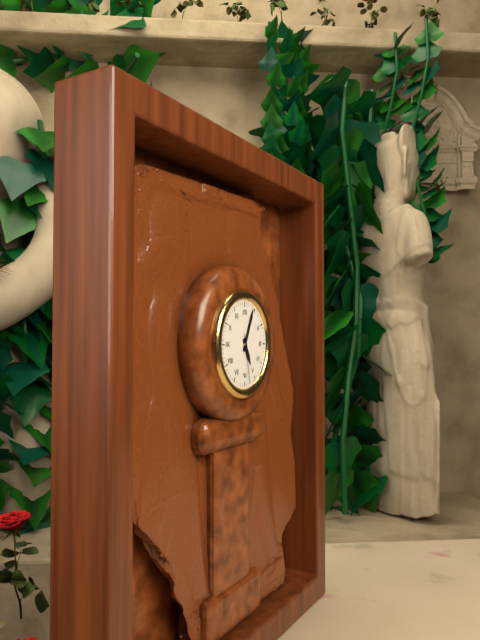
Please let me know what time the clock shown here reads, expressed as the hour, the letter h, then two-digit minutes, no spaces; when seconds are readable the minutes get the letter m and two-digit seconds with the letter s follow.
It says 5h04
